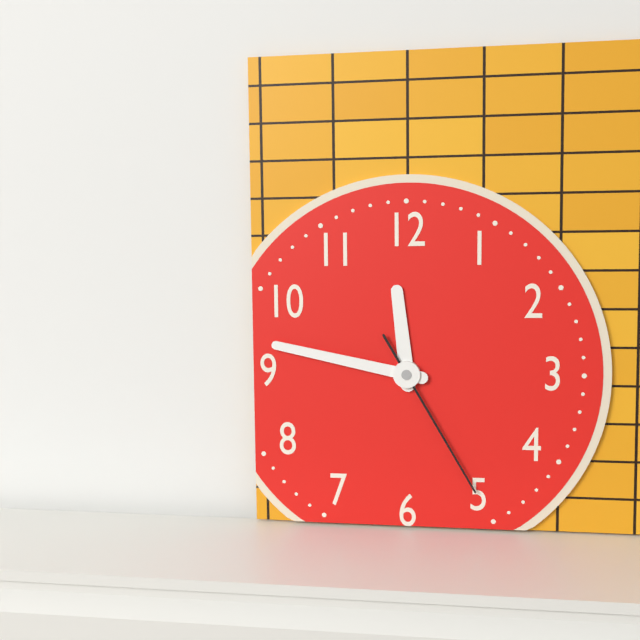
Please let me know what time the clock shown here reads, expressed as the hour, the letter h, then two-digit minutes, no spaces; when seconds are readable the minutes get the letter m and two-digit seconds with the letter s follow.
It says 11h47m25s
